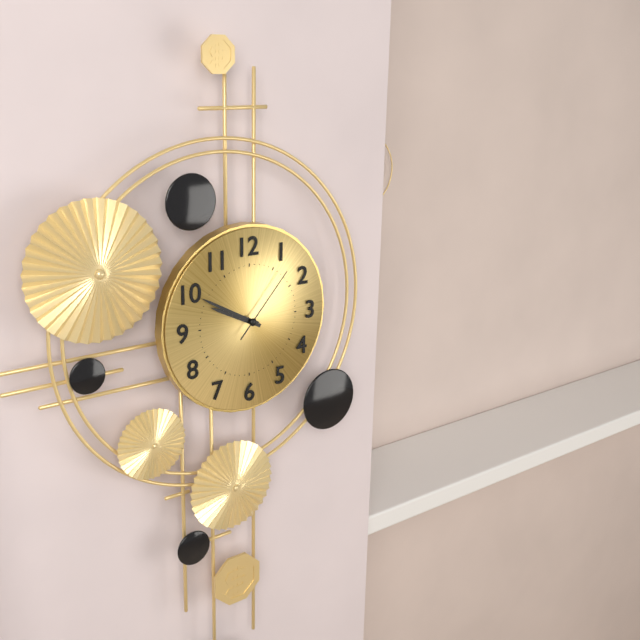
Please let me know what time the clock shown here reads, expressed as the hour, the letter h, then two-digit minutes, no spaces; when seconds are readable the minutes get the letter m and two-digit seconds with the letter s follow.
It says 9h50m07s
